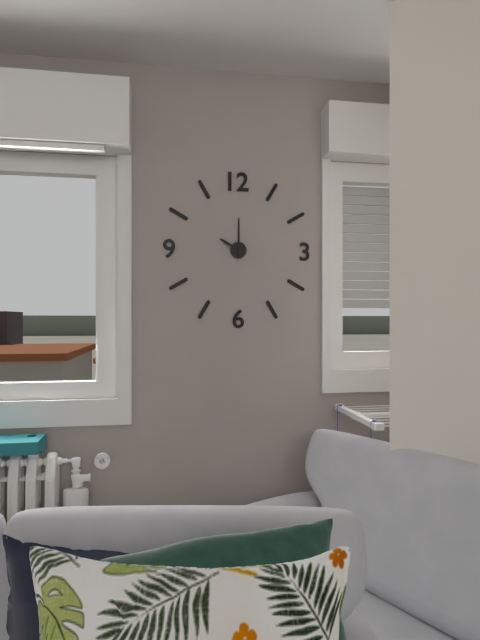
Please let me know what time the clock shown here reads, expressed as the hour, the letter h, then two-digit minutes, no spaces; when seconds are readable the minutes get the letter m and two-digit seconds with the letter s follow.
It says 10h00
